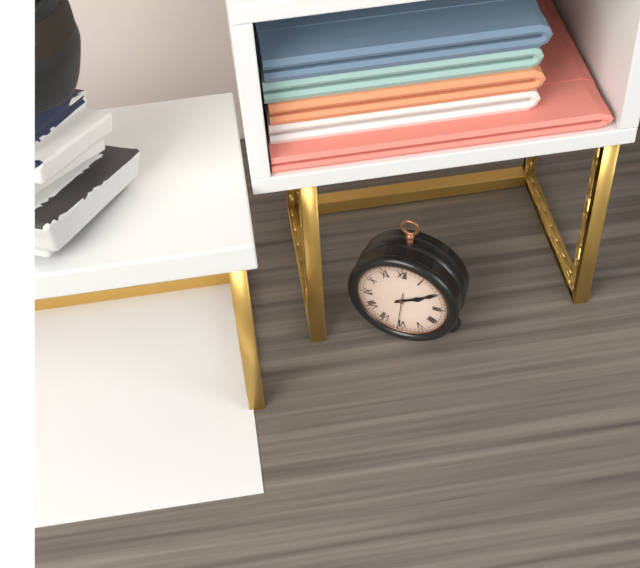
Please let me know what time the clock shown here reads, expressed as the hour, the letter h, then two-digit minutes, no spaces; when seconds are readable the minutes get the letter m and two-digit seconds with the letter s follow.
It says 2h10
